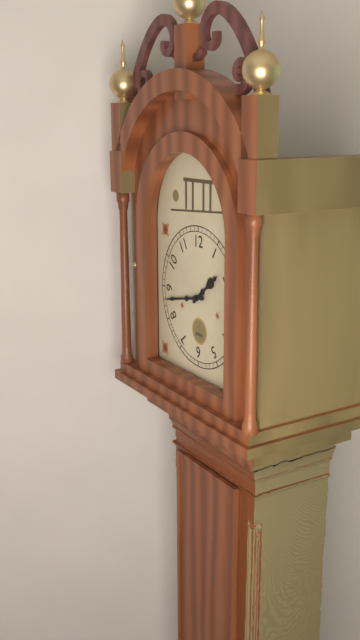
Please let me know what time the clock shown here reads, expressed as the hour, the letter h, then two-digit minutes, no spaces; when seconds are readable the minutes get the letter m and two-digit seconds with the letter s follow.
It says 1h43
